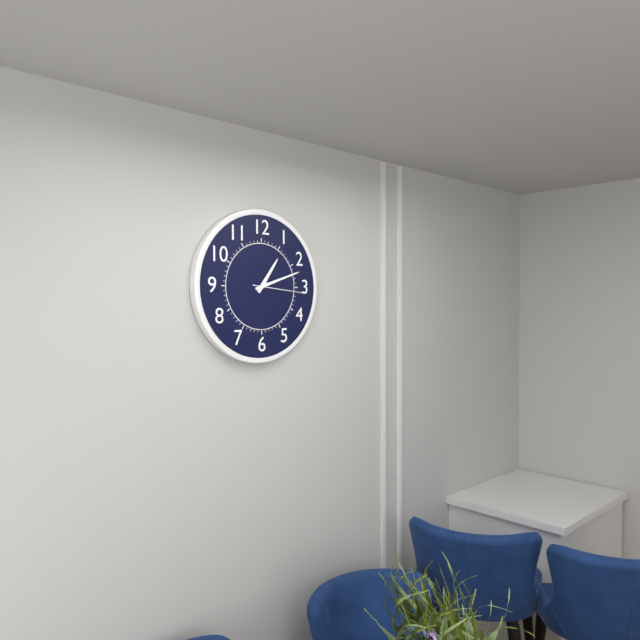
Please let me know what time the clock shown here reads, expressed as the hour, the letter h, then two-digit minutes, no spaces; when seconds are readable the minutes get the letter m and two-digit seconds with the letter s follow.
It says 1h12m16s
